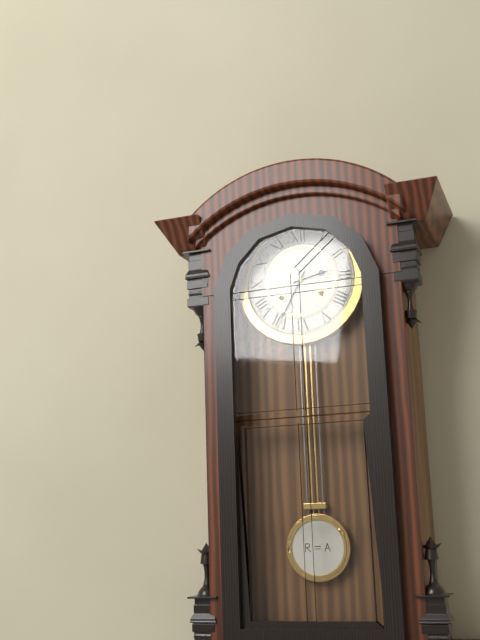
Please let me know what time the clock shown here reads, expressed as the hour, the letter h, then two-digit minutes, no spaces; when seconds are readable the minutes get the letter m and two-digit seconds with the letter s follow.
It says 2h35
